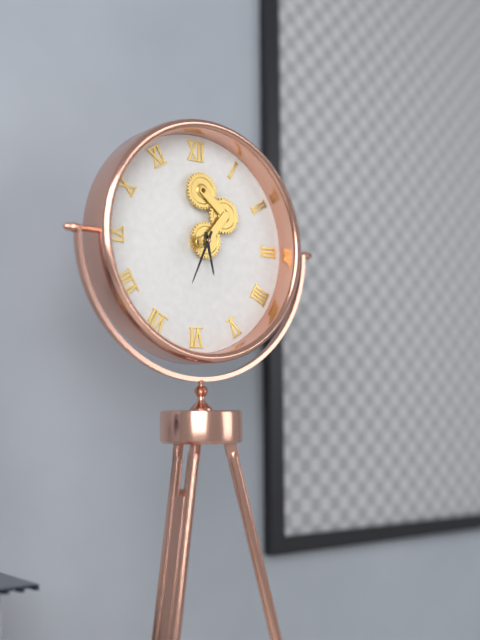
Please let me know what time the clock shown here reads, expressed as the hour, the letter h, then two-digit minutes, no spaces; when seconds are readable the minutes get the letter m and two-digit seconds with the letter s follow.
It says 5h34
